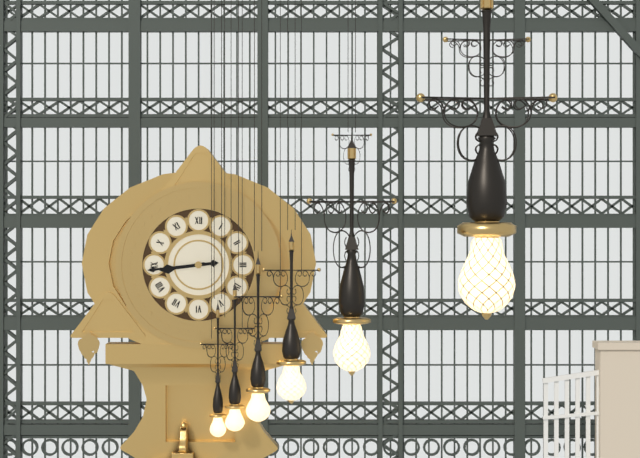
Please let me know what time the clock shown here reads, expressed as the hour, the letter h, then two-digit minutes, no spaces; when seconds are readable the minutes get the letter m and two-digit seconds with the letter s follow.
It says 8h44
